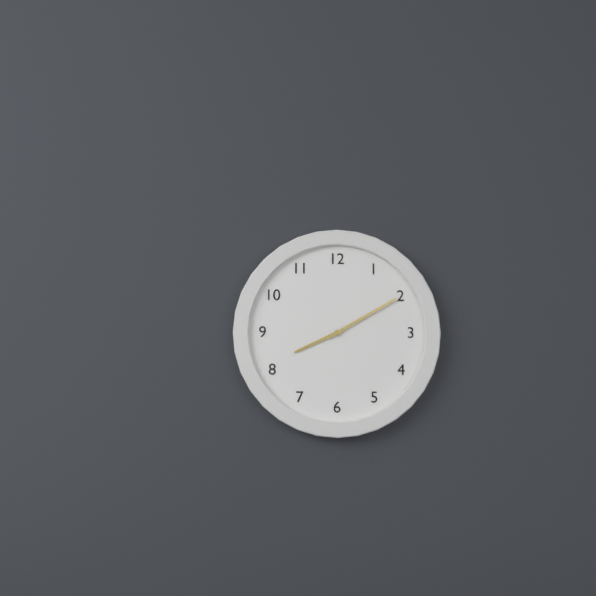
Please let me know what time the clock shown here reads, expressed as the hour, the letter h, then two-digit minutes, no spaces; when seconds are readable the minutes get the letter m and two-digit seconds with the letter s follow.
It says 8h10
